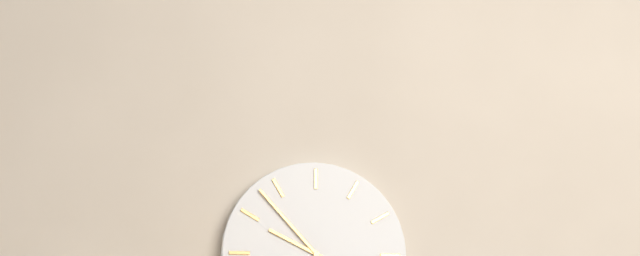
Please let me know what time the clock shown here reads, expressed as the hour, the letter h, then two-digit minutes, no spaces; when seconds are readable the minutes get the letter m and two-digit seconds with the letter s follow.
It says 9h53
